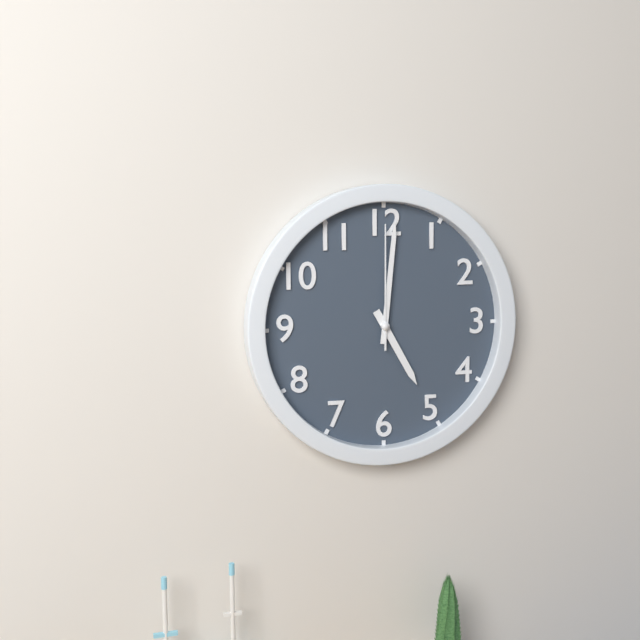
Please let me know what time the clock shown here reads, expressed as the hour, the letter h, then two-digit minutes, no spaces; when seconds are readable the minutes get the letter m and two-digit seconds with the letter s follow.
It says 5h01m00s
